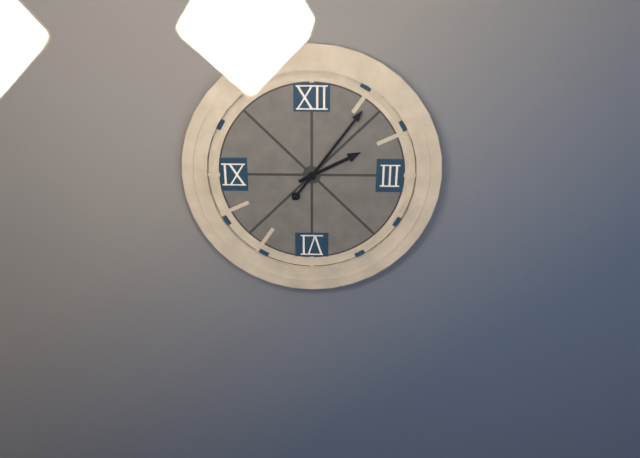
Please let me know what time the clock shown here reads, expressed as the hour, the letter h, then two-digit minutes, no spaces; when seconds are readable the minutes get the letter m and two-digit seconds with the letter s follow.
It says 2h06
